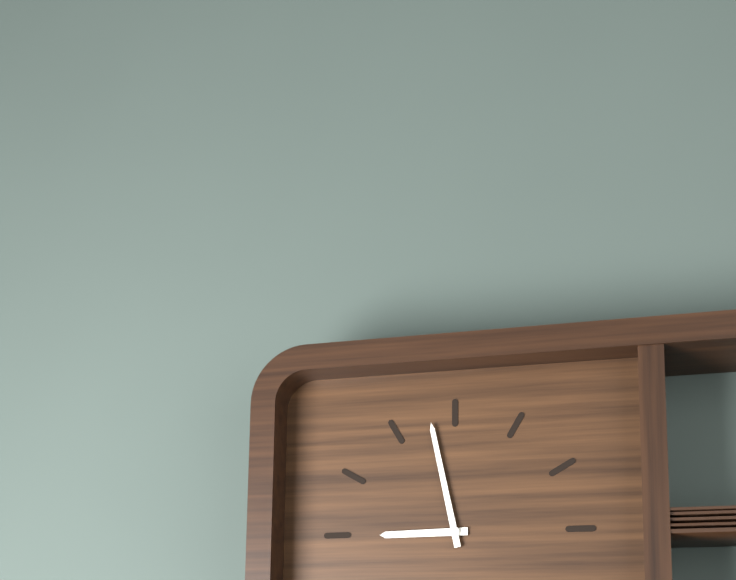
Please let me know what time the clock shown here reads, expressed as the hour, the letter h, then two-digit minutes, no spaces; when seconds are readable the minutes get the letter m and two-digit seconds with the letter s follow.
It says 8h58
